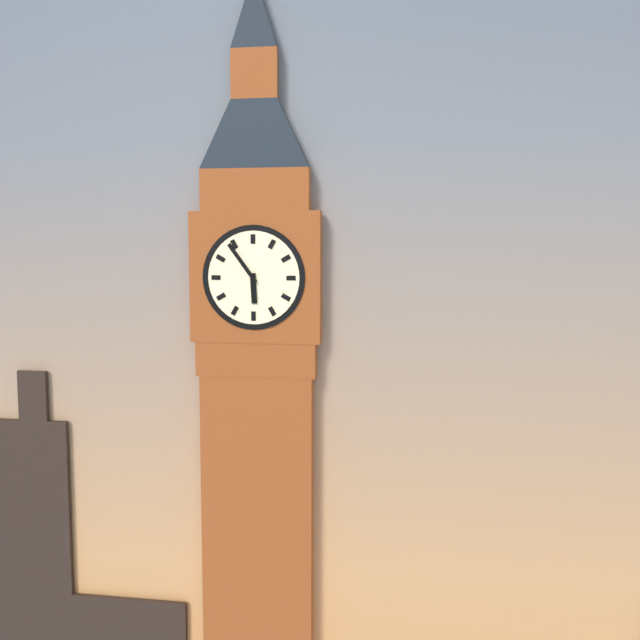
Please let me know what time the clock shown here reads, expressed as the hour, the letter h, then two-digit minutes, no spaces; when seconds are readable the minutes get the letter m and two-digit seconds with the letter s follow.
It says 5h54
